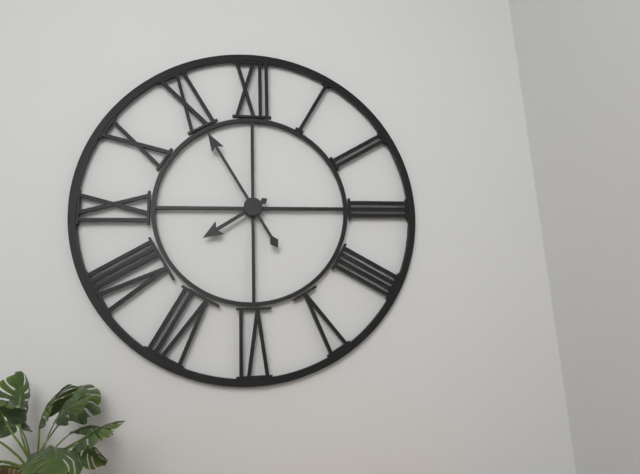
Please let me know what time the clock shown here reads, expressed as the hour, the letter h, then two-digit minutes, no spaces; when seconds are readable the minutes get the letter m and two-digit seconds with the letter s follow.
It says 7h55
